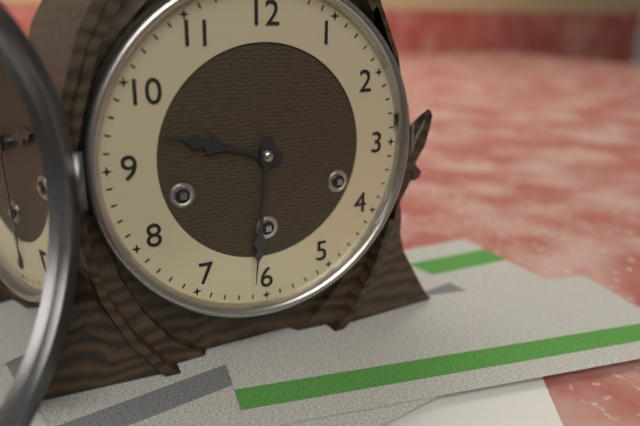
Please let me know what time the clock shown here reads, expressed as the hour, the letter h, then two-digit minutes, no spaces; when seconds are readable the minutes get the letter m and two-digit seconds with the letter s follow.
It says 9h31
